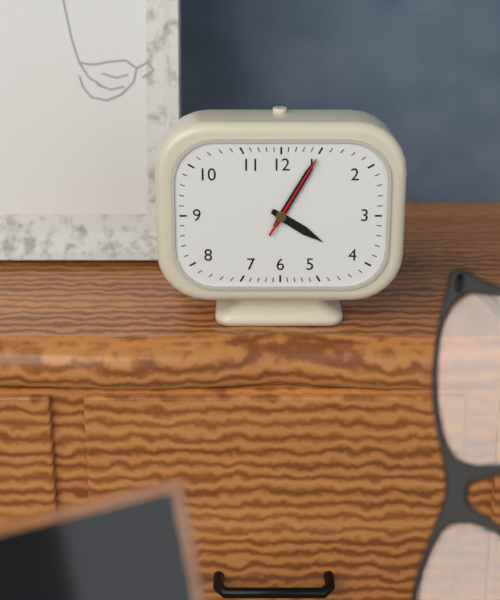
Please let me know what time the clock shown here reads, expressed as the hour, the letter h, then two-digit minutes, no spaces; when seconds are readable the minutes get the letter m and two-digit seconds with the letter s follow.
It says 4h05m05s
